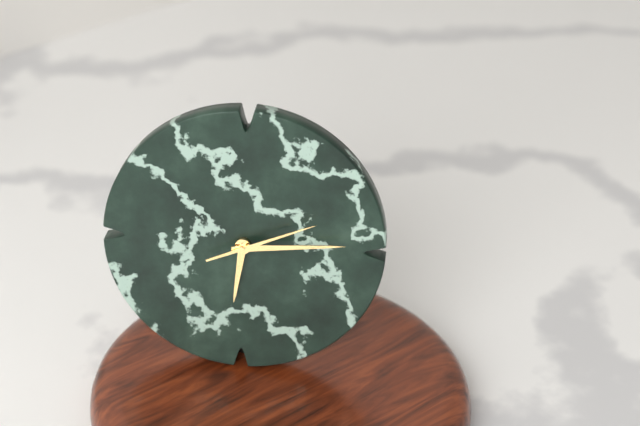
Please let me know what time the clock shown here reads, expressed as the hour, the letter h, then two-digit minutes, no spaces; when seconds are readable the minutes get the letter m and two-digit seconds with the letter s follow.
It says 6h14m11s
